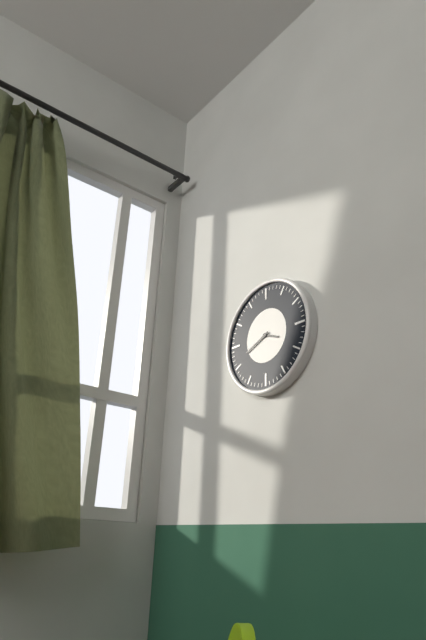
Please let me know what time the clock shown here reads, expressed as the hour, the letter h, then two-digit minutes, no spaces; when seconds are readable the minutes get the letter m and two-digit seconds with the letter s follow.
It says 3h41
